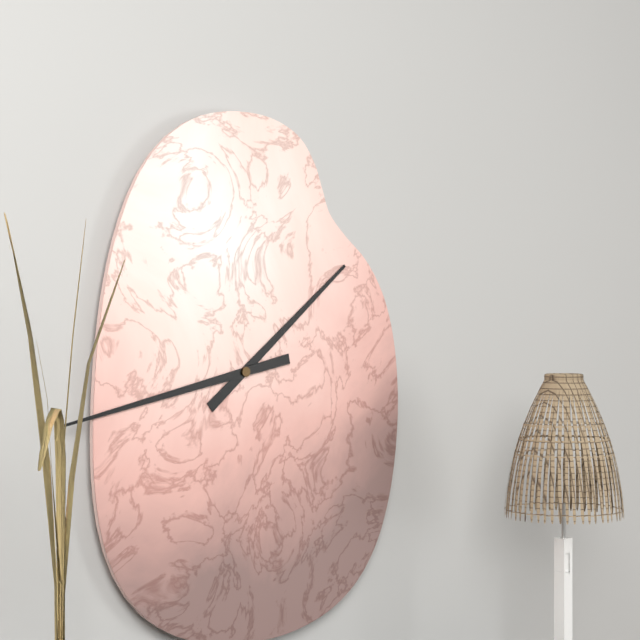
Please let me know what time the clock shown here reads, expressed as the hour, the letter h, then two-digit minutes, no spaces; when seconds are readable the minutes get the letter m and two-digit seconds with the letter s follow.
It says 1h43
